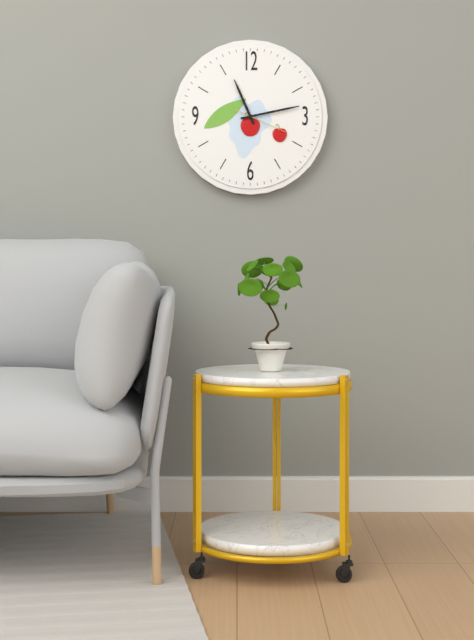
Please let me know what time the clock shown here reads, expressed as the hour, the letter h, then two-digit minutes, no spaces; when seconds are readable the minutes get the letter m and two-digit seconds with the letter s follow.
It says 11h13
